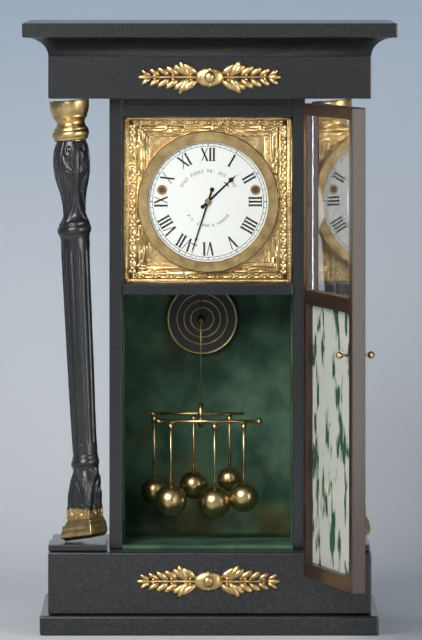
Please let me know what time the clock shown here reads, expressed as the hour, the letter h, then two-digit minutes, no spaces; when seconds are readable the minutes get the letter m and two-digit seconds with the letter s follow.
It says 1h33
